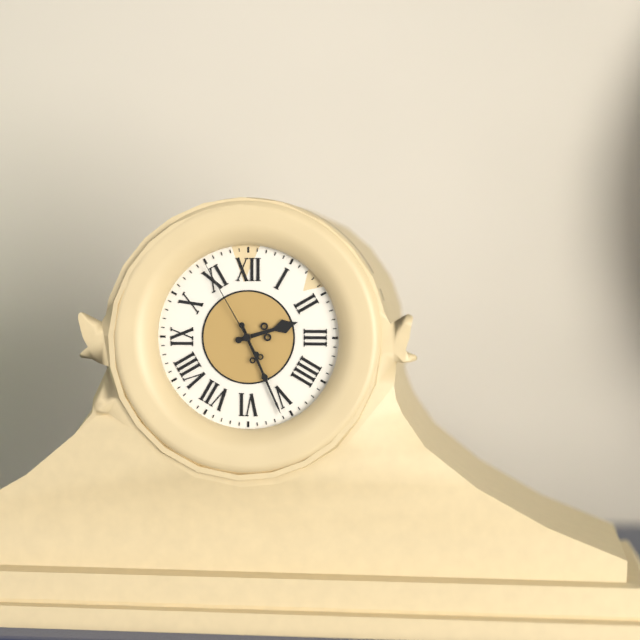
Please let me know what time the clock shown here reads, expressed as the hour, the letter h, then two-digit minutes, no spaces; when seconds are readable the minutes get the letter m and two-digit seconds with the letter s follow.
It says 2h26m55s
